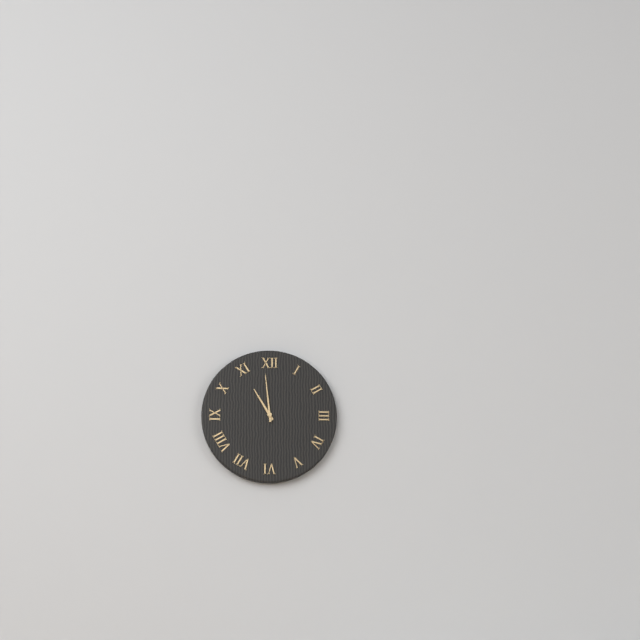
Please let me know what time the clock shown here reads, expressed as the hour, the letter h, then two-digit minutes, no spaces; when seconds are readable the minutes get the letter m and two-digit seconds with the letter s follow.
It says 10h59
